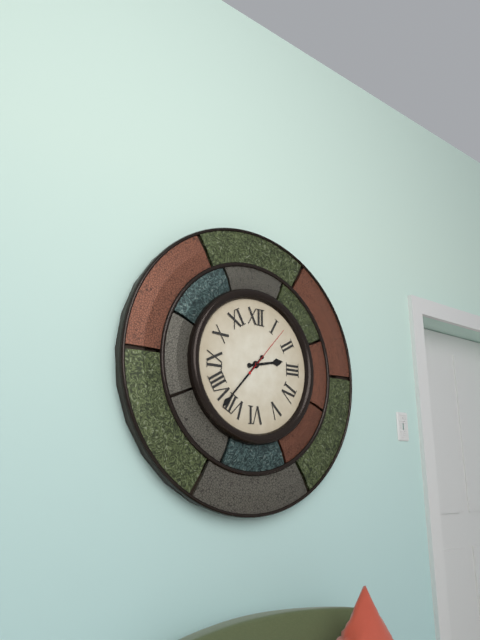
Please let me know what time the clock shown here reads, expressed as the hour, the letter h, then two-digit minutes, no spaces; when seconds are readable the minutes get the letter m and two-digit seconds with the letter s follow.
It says 2h37m07s
